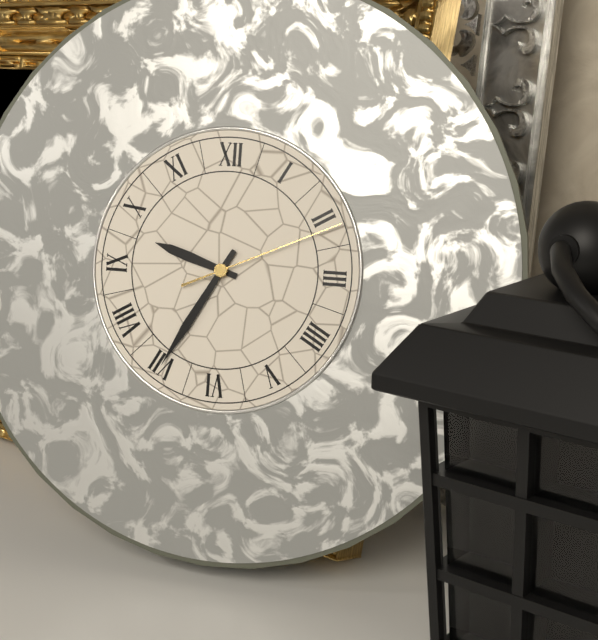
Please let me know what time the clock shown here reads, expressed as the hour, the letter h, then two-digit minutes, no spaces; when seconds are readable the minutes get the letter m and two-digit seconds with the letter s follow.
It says 9h35m11s
